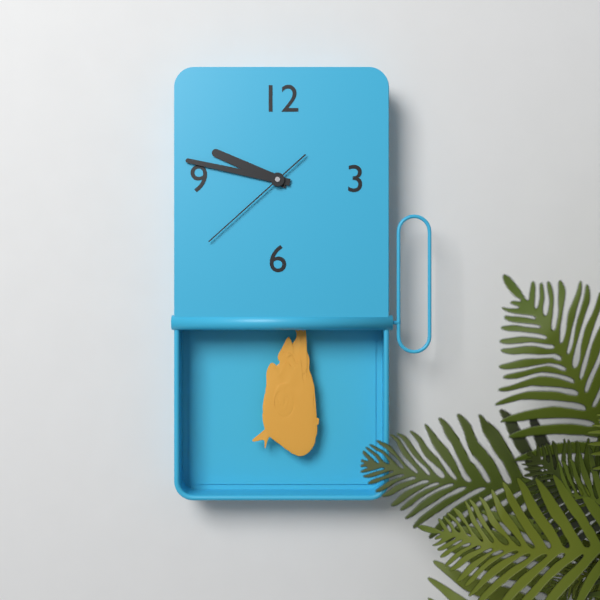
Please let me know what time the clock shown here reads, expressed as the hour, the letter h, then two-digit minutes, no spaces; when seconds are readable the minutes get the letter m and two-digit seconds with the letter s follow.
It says 9h47m38s
